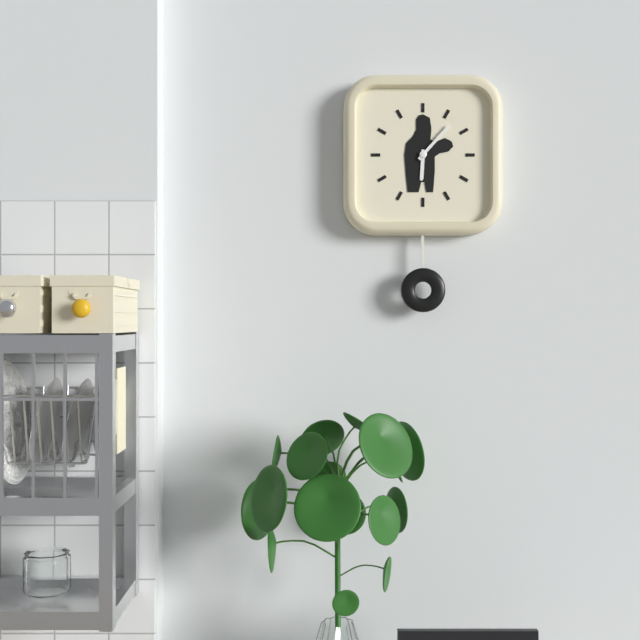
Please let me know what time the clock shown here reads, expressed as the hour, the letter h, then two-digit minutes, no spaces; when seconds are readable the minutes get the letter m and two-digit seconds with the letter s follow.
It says 6h07
